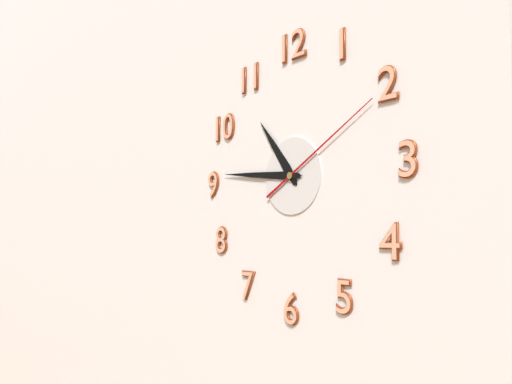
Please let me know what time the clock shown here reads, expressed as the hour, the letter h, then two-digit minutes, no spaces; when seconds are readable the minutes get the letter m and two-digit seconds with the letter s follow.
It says 10h46m10s
